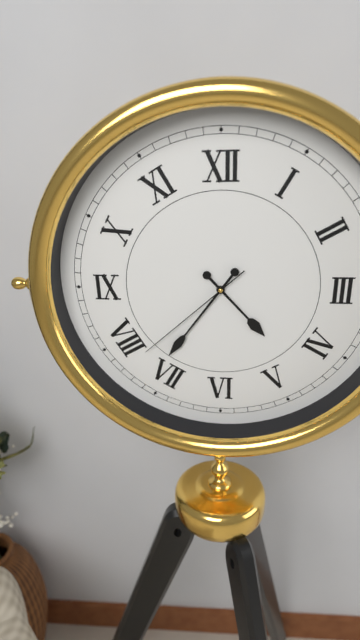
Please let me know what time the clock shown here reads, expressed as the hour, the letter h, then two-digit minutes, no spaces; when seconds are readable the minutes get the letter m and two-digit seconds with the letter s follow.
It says 4h36m38s
